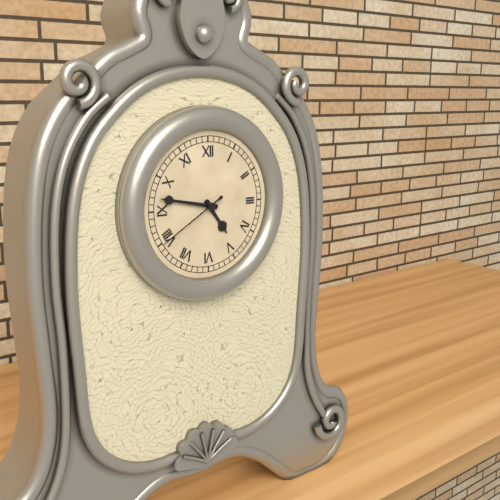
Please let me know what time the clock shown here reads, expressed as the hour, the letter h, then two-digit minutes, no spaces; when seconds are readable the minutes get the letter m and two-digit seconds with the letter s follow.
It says 4h47m40s
